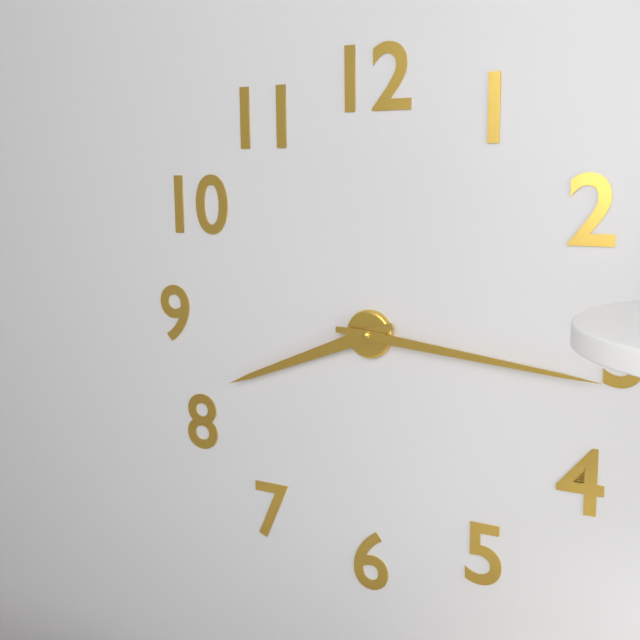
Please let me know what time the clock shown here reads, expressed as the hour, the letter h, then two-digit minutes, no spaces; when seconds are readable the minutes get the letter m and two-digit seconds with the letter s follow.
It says 8h16
